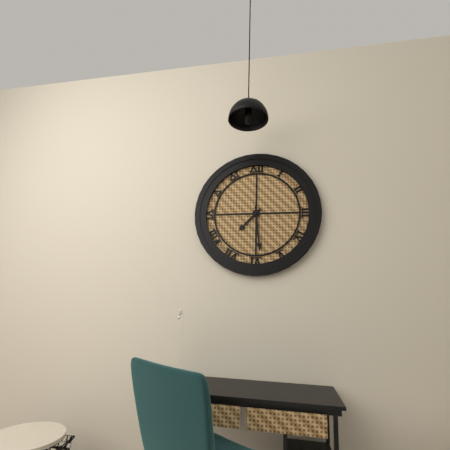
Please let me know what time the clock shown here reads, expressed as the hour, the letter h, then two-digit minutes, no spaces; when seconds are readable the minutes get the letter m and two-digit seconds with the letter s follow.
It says 7h29
